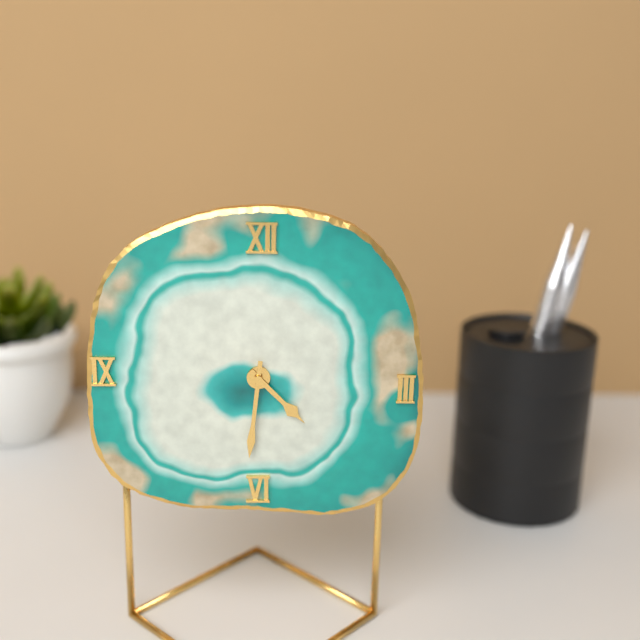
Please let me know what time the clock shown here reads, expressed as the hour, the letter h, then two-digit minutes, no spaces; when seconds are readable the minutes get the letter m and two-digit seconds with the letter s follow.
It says 4h31
